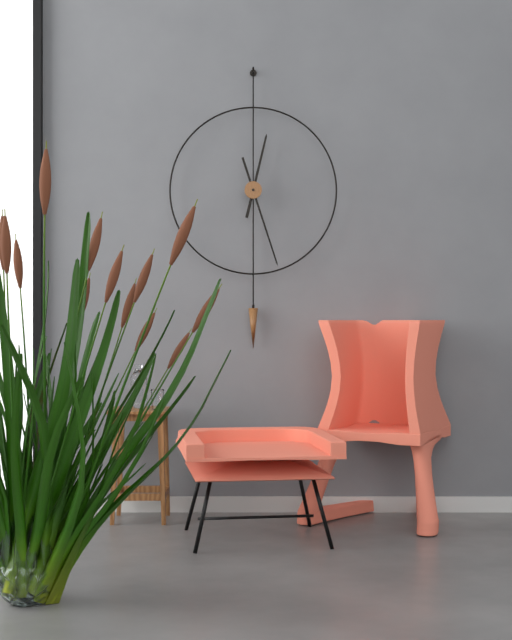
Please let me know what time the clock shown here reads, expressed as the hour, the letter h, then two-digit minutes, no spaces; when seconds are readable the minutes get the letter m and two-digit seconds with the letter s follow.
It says 12h27
